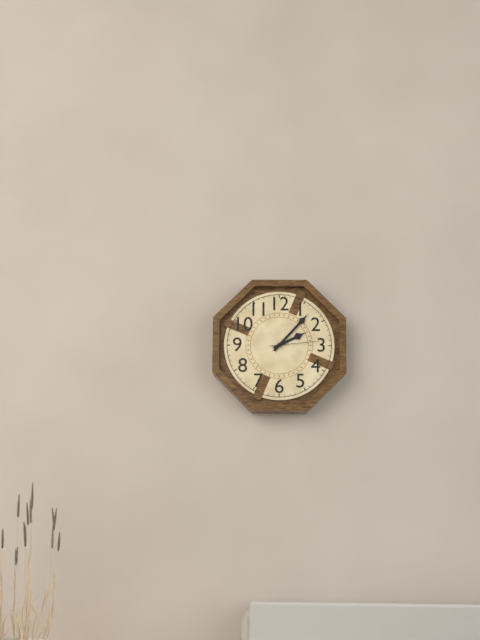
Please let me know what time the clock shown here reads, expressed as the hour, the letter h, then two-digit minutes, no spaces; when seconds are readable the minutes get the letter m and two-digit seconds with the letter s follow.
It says 2h07m14s
